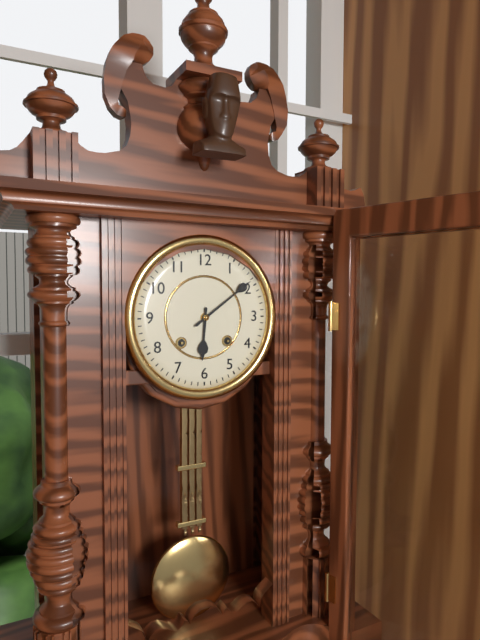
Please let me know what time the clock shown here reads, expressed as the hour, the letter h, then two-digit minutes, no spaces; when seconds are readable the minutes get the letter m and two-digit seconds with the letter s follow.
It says 6h09
